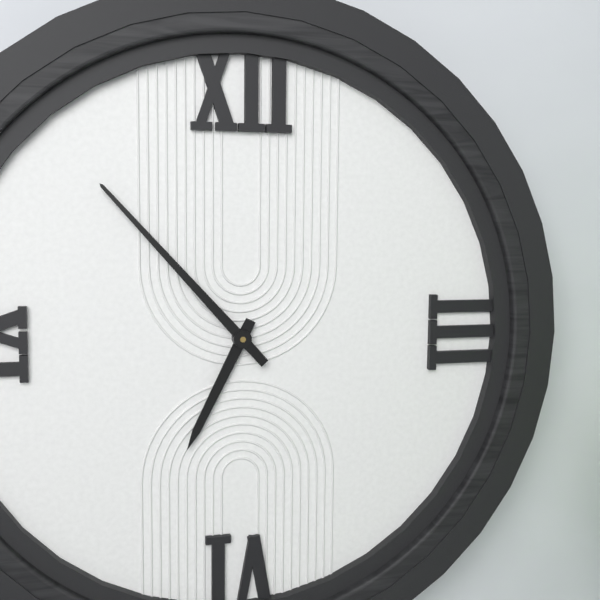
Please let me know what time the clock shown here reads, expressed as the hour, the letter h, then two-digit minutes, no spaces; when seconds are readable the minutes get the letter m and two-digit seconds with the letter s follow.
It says 6h53
